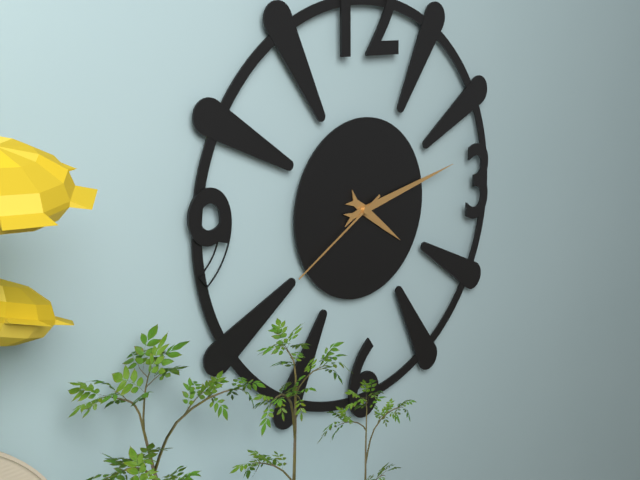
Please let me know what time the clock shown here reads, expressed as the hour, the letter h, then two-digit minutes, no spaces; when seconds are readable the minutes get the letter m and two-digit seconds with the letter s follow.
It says 4h13m40s
